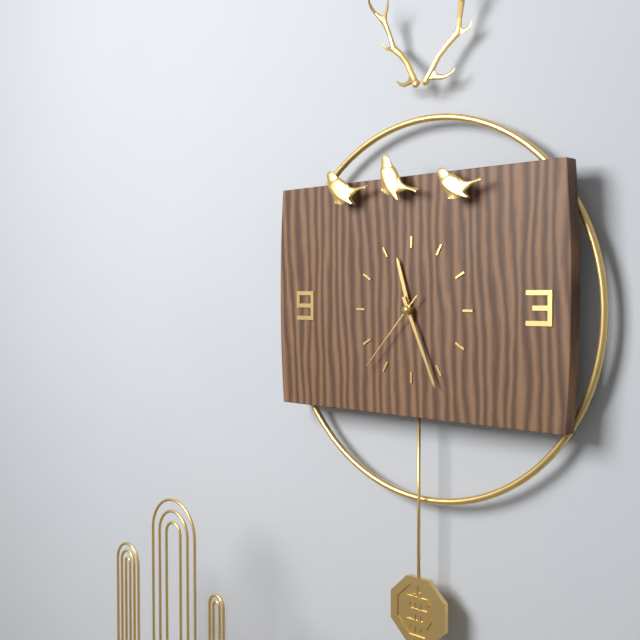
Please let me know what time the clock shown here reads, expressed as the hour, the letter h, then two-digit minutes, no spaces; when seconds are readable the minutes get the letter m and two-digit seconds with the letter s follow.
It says 11h26m37s
